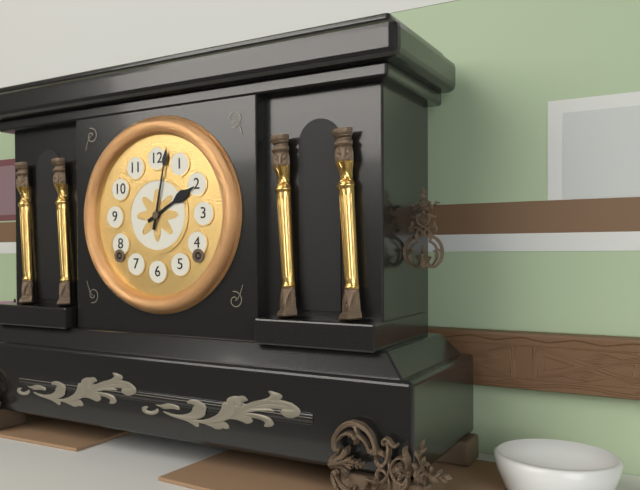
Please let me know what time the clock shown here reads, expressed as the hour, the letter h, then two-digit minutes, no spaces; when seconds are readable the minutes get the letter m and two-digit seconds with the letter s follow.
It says 2h02
